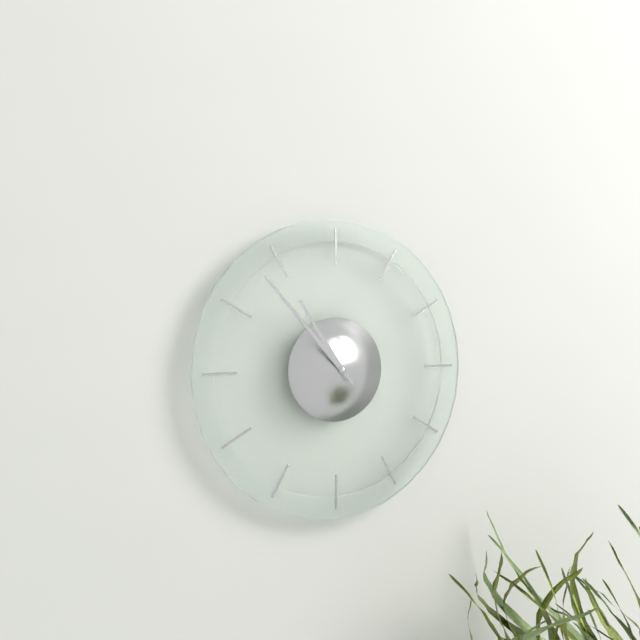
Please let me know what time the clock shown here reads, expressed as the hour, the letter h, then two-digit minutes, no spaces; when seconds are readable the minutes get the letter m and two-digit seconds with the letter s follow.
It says 10h53
